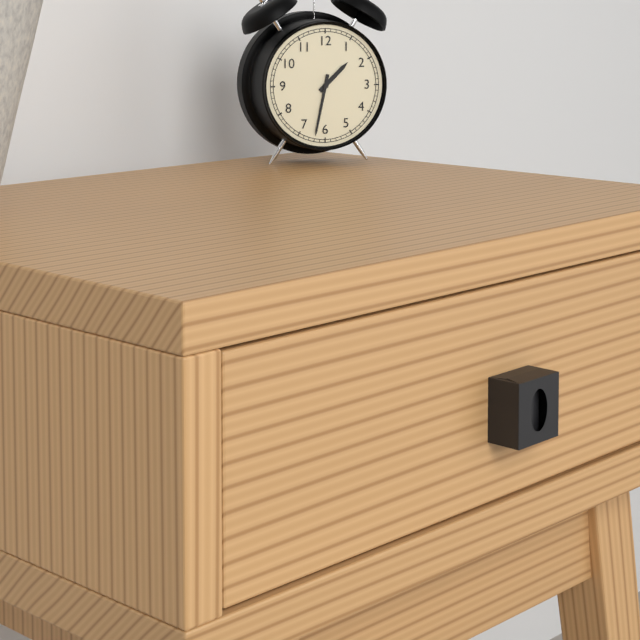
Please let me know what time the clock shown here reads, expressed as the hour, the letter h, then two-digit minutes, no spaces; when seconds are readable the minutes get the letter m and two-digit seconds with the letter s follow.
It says 1h32
